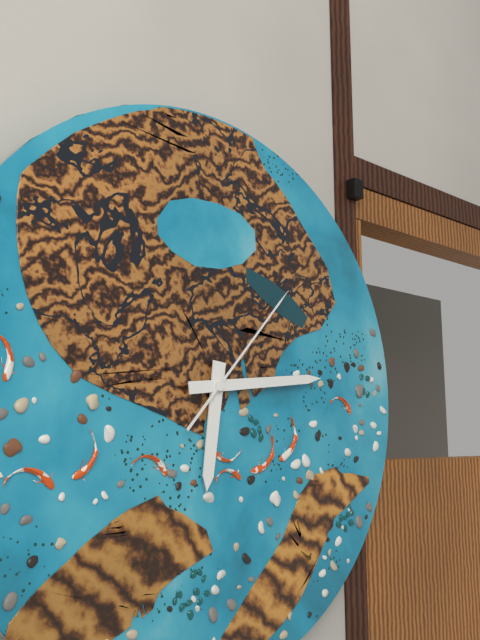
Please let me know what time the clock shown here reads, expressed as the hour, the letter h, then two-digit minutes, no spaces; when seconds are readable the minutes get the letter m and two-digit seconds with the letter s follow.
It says 6h14m07s
